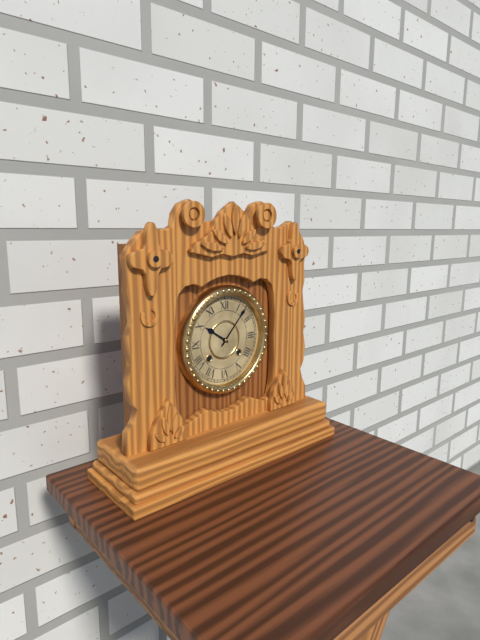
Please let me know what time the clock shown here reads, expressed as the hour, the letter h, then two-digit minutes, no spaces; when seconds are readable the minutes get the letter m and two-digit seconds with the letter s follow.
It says 10h07
